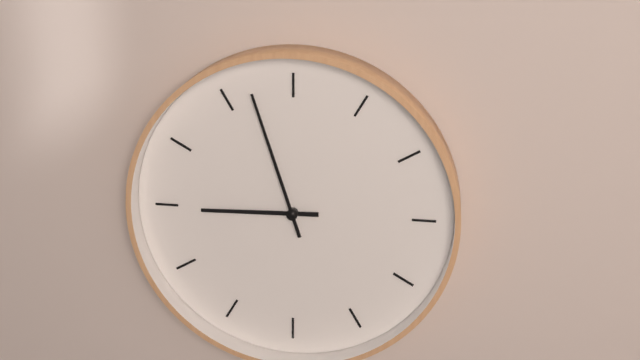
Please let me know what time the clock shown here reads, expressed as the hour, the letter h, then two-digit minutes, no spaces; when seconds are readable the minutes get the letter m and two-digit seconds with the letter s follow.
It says 8h57
